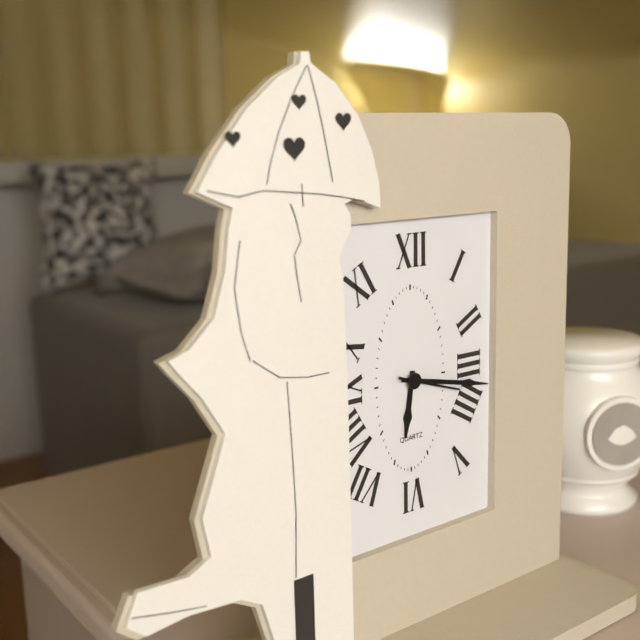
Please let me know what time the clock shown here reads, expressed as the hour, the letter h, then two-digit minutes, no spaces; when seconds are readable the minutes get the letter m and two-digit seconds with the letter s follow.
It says 6h17m18s
